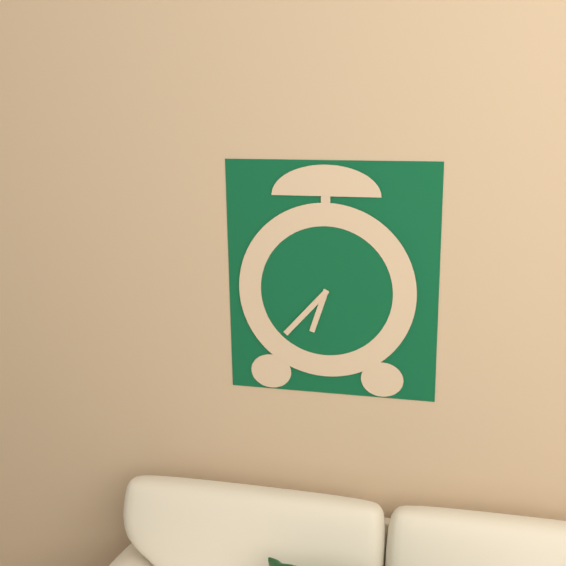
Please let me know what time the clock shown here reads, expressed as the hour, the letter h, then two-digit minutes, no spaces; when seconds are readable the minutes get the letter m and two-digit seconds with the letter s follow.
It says 6h37
